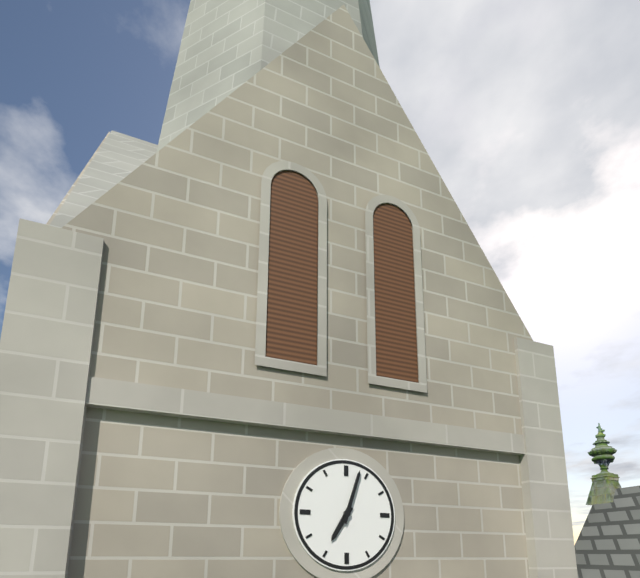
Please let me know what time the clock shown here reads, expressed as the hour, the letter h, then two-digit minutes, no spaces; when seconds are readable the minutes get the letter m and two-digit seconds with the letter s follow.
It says 7h03
